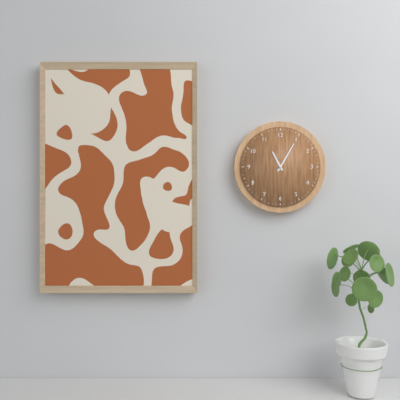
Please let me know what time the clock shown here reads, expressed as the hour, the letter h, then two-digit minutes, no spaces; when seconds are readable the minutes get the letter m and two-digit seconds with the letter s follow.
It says 11h05
